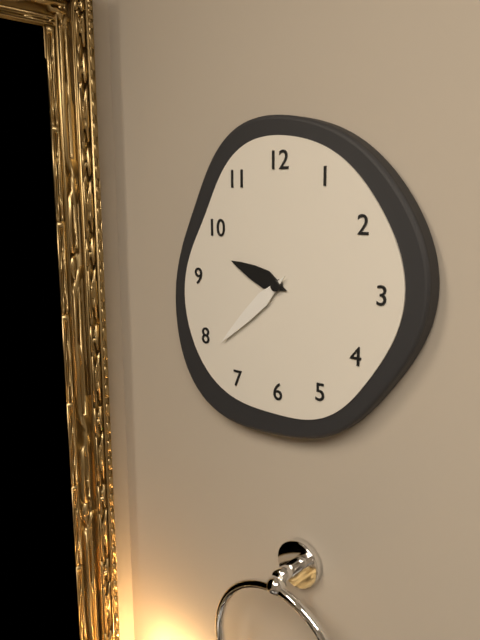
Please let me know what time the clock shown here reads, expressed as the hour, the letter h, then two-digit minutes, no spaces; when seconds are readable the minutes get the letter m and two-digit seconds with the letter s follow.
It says 9h38
